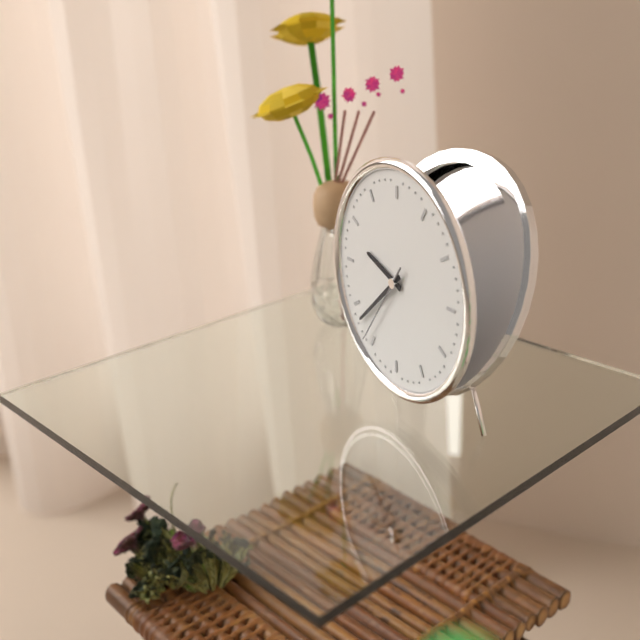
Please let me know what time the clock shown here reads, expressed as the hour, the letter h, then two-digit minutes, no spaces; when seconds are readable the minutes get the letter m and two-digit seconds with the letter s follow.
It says 9h38m36s
